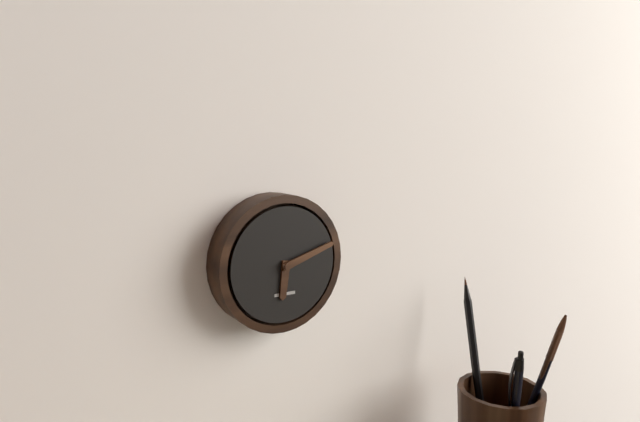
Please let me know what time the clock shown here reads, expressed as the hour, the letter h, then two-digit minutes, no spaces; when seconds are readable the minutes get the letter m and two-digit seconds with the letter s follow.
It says 6h12
